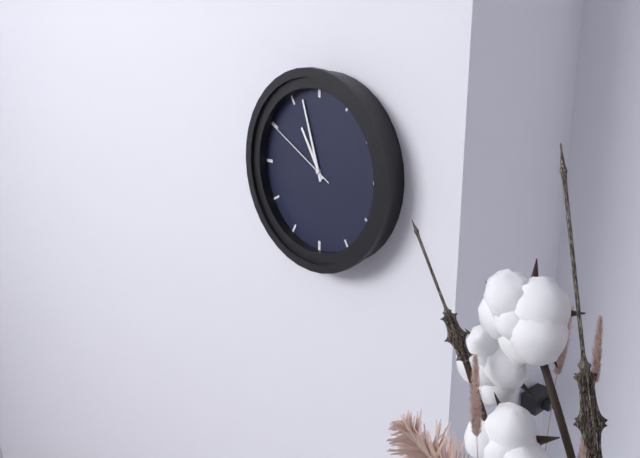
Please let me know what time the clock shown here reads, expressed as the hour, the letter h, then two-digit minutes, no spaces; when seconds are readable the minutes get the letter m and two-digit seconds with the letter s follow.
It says 10h57m50s
